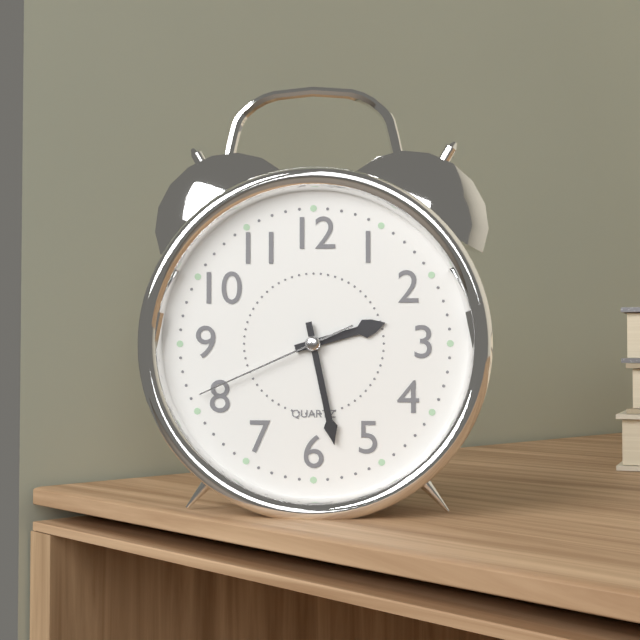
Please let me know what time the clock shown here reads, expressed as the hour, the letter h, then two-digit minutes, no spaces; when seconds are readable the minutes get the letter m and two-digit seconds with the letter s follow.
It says 2h28m41s
